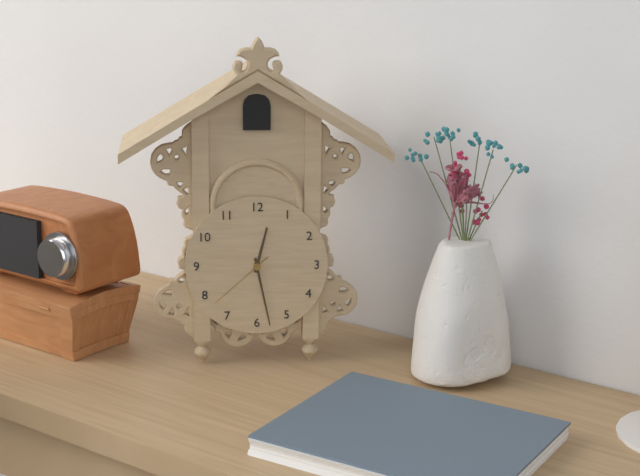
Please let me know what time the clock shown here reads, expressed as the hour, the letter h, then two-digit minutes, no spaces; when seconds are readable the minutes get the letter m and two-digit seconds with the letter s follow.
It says 12h28m38s
